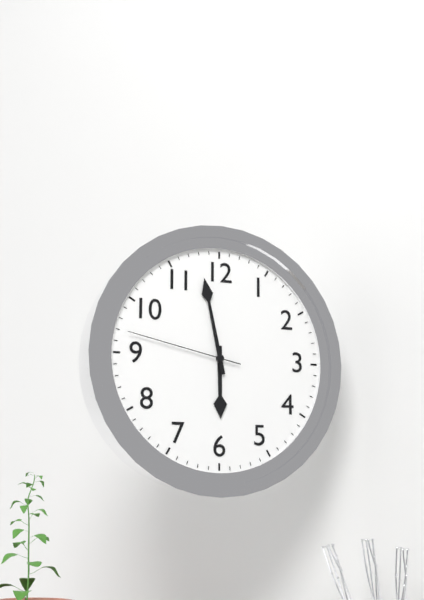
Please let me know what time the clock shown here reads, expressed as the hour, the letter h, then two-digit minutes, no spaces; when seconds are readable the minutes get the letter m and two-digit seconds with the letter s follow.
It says 5h58m47s
